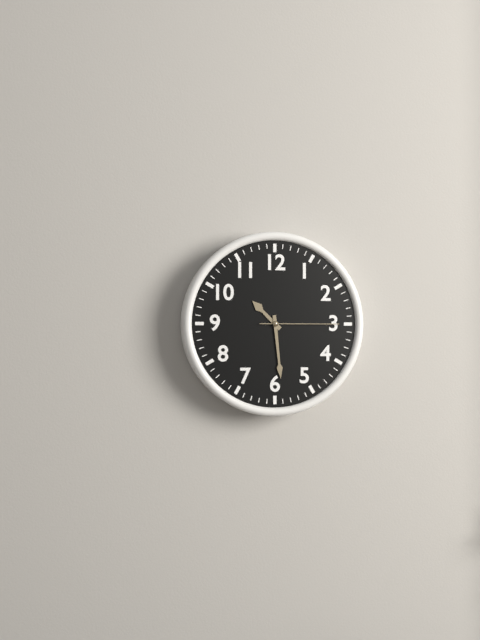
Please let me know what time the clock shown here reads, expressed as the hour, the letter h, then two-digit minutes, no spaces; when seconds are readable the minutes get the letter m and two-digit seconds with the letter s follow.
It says 10h29m15s
